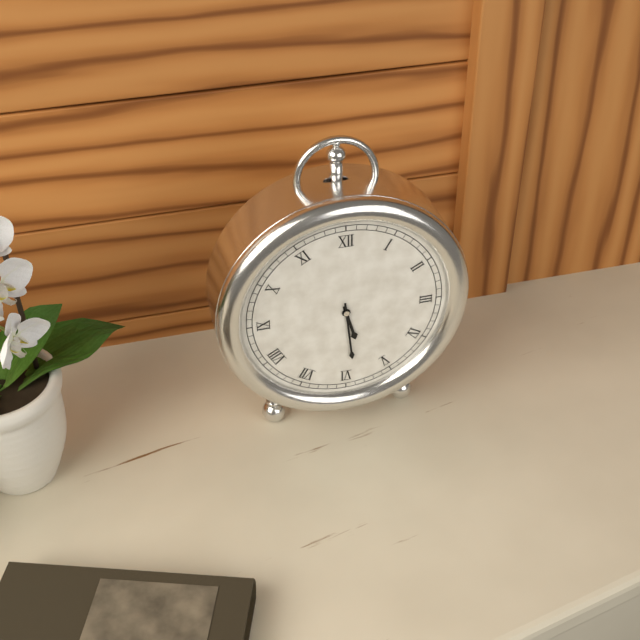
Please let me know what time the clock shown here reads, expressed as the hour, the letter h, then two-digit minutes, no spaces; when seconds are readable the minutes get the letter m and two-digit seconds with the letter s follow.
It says 5h29
